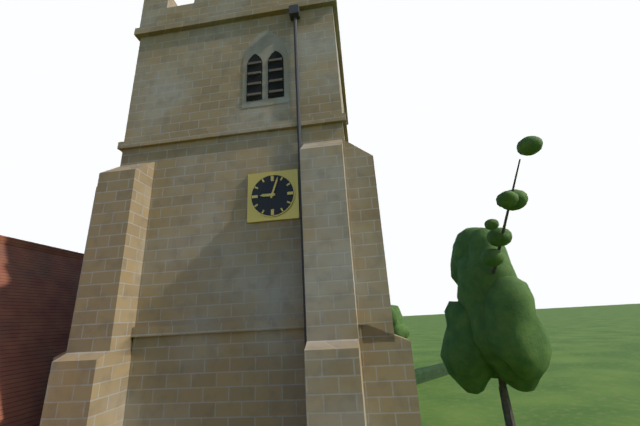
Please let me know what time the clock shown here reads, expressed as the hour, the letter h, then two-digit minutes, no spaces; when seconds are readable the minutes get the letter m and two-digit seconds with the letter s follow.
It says 9h03
